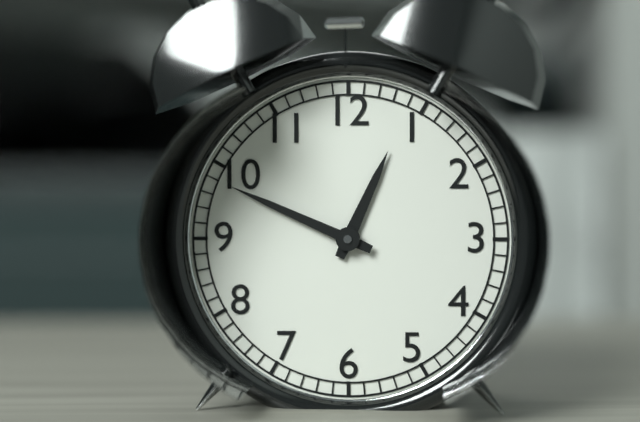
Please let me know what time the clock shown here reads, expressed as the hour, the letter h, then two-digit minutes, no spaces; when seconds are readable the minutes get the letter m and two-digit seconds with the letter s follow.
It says 12h49
